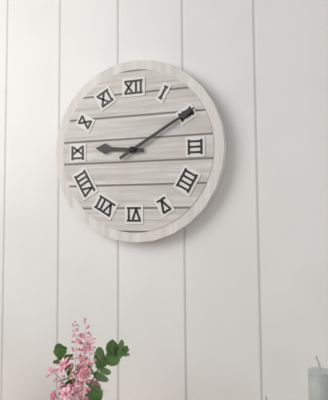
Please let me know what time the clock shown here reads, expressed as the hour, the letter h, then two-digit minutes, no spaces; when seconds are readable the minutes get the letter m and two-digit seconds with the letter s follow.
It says 9h10
